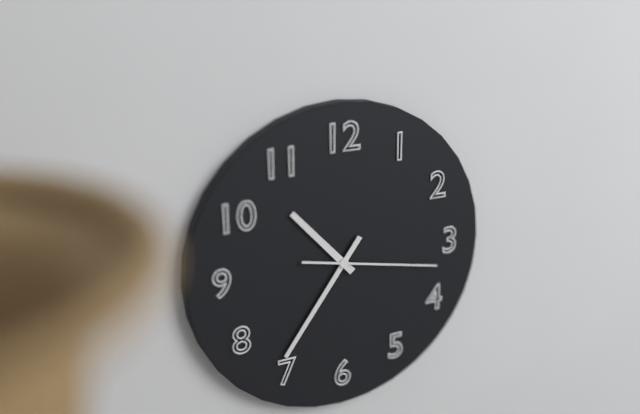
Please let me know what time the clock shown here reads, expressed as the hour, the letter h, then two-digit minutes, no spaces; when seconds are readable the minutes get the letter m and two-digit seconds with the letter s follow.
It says 10h36m17s
